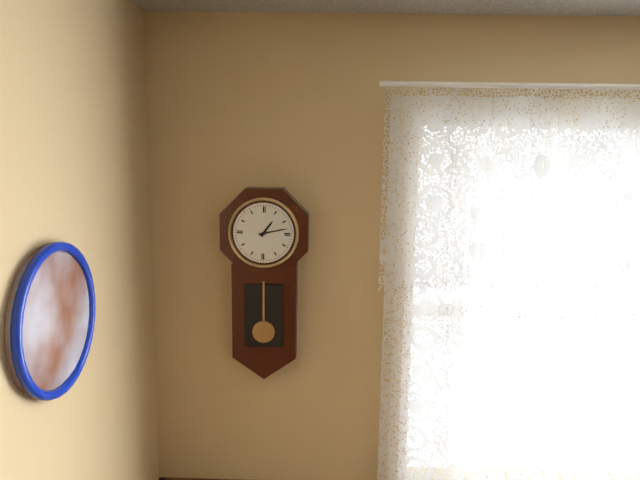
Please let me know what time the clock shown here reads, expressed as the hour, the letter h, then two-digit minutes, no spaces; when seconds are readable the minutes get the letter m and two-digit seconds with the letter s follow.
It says 1h13
